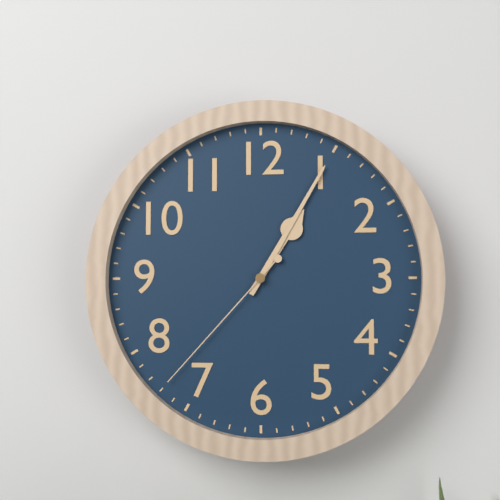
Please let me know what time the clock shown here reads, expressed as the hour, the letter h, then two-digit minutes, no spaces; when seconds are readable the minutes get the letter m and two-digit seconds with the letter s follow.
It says 1h05m37s
